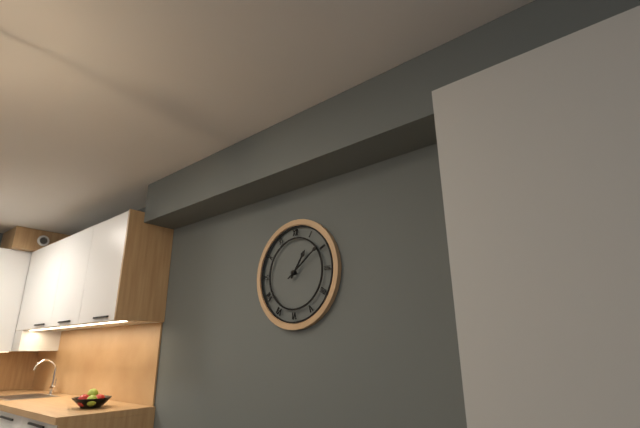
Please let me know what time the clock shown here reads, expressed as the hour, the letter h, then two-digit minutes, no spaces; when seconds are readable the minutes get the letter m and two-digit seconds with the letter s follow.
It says 1h09
